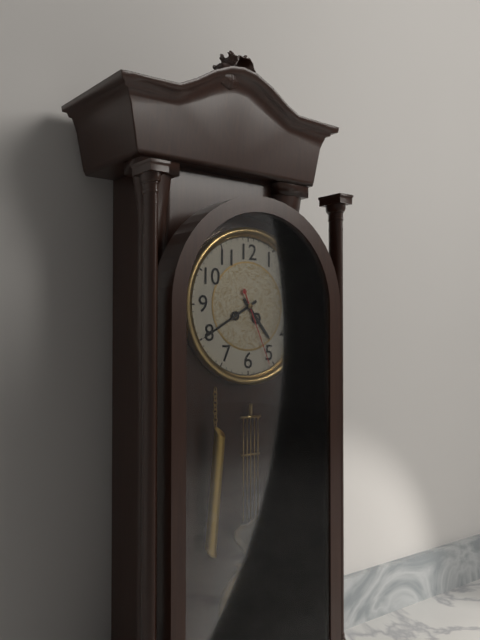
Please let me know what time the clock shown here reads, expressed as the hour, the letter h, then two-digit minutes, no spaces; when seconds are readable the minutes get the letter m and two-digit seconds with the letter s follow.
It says 4h40m26s
